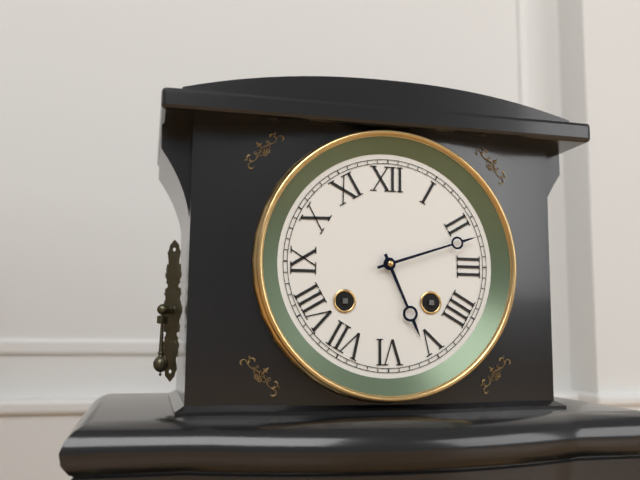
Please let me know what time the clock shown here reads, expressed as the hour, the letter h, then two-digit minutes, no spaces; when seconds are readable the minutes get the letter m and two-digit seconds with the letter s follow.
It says 5h12
